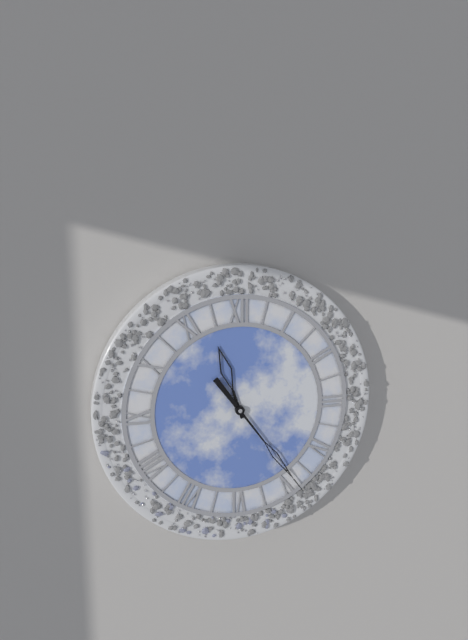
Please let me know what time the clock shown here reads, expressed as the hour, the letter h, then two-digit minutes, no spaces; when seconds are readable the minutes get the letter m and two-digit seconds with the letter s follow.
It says 11h24
